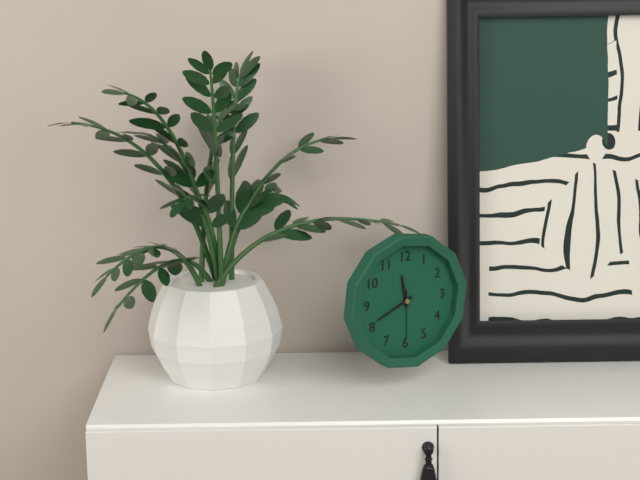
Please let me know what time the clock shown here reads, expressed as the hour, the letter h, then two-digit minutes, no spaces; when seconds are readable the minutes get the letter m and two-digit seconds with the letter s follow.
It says 11h41m30s
